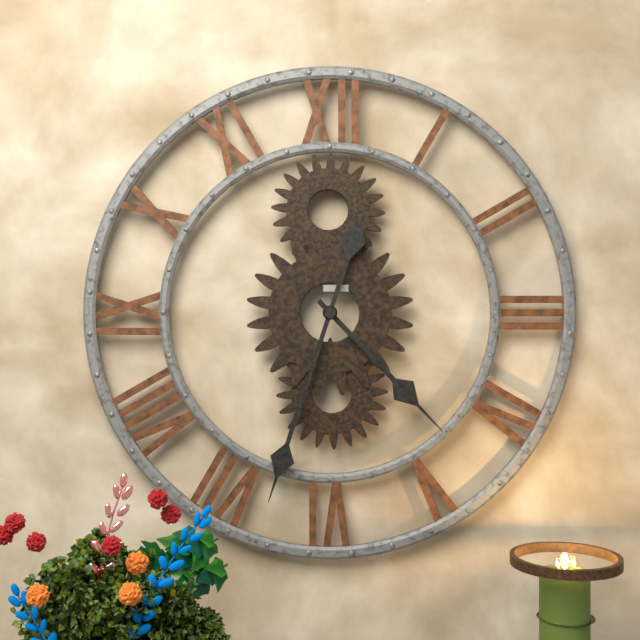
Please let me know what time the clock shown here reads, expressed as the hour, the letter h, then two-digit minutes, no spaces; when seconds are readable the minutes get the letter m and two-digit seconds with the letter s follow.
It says 4h33
